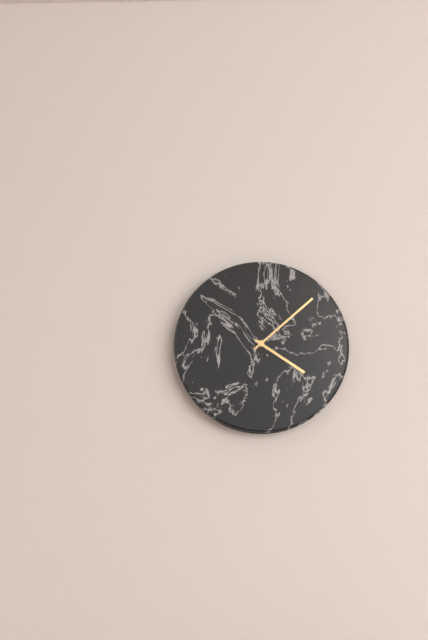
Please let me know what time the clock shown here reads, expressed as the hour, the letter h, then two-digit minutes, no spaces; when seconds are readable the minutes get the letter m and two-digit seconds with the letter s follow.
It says 4h08
